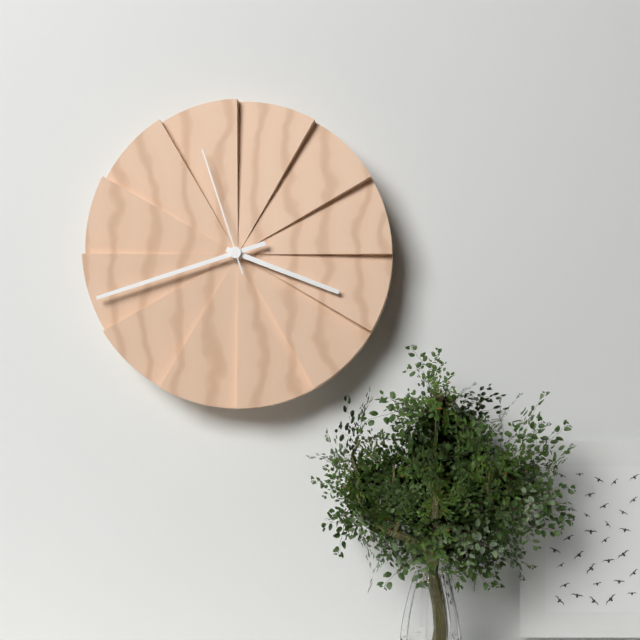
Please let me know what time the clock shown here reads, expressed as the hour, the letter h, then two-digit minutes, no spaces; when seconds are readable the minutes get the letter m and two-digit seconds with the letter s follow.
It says 3h42m57s
